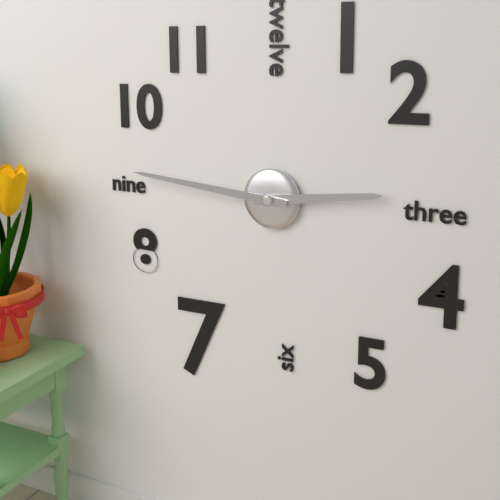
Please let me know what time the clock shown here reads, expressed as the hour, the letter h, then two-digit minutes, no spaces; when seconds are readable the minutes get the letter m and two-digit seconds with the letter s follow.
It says 2h46
